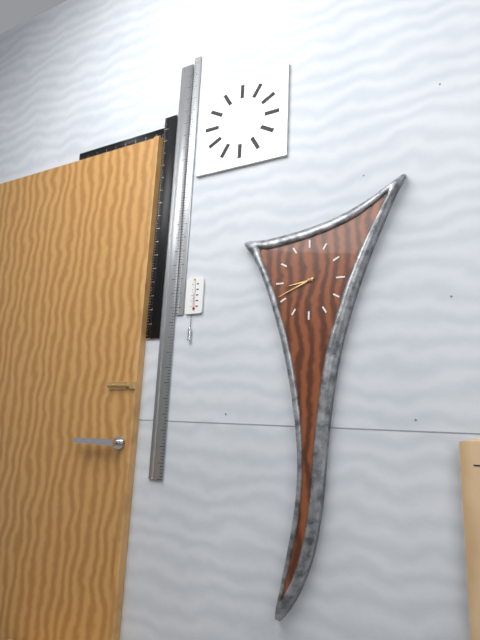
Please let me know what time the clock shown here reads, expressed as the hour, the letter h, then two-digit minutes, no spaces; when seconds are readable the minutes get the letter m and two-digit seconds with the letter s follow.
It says 8h41
